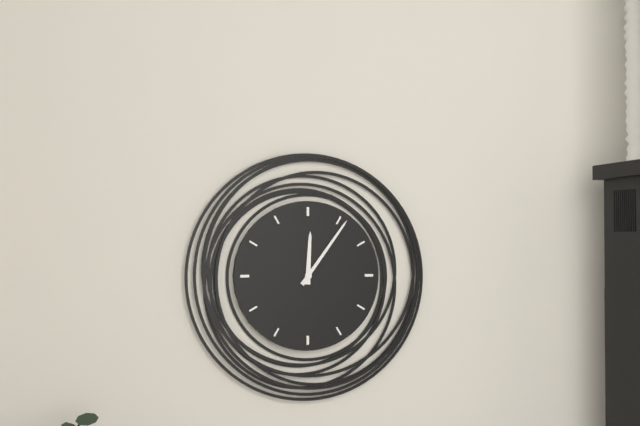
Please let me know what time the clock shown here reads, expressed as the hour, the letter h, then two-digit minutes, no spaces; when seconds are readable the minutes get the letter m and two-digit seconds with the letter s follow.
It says 12h06
